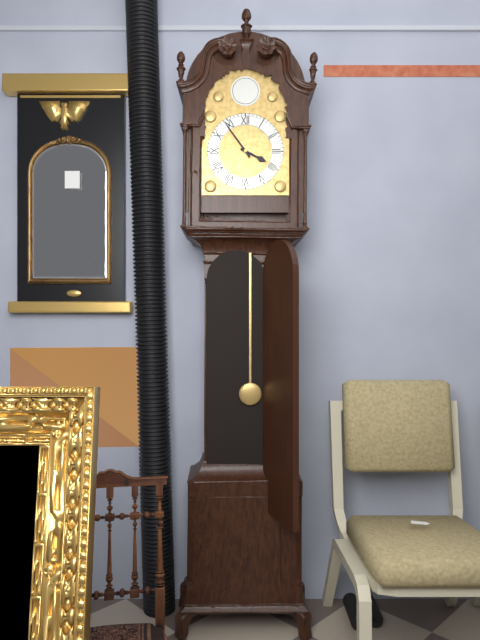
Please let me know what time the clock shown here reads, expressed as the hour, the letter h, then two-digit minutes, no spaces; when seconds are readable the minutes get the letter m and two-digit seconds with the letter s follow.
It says 3h54
